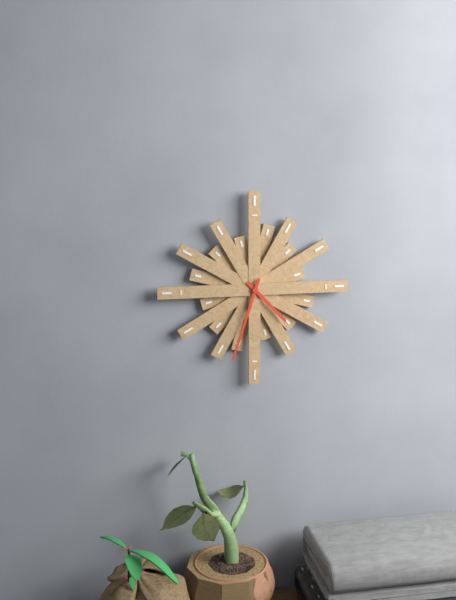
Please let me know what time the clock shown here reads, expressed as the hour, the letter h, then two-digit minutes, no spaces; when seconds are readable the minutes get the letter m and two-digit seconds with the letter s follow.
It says 4h33
